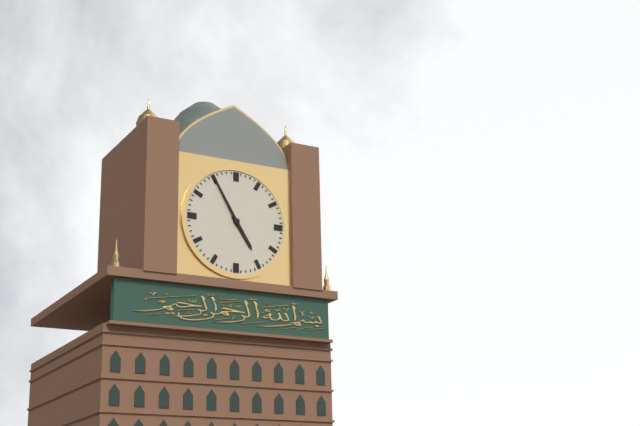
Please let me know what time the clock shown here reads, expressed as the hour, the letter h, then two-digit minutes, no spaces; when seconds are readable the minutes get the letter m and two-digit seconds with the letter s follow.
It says 4h55
